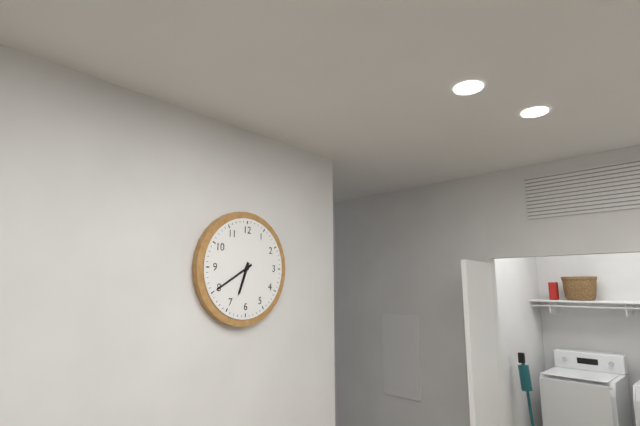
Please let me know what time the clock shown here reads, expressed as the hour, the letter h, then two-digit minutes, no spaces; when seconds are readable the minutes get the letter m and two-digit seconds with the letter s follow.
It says 6h40
